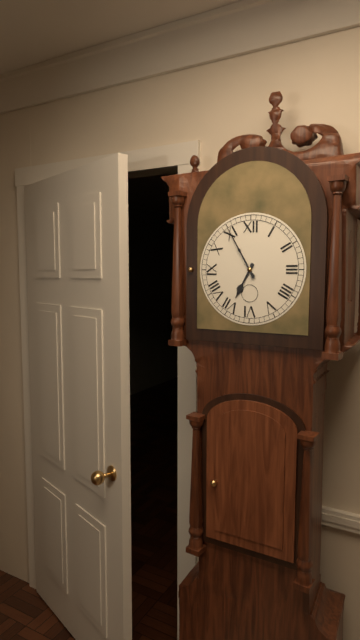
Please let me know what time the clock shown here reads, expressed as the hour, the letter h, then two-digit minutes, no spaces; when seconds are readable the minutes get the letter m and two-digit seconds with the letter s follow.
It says 6h55
